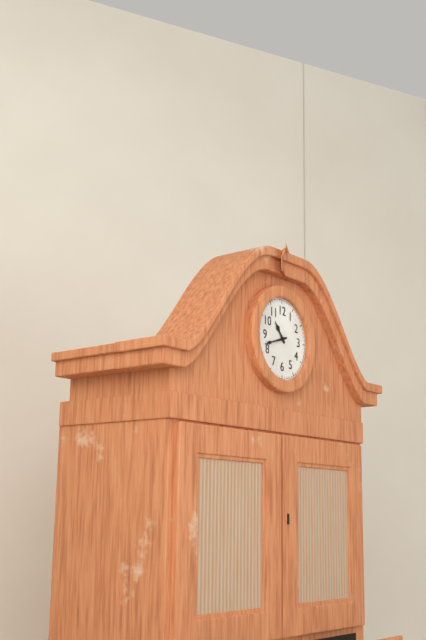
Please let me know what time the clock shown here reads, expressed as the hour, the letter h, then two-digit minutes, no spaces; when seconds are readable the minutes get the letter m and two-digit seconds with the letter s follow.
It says 10h42
